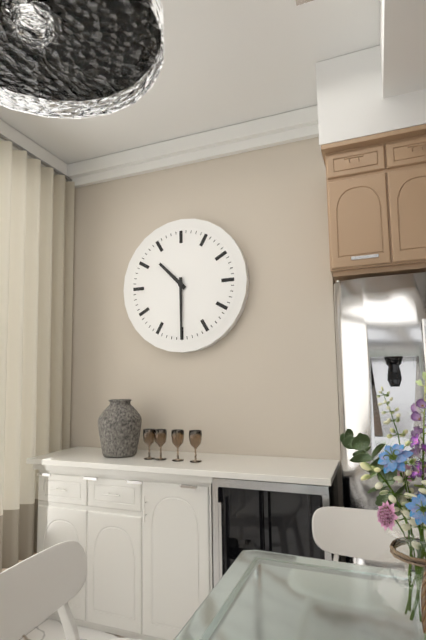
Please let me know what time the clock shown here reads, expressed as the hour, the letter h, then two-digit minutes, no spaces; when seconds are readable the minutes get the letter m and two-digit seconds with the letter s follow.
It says 10h30
